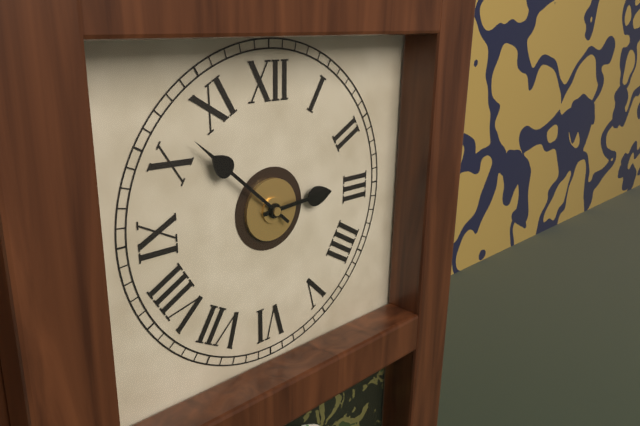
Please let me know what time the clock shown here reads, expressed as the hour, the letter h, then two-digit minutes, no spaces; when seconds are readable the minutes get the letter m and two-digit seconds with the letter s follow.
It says 2h52
